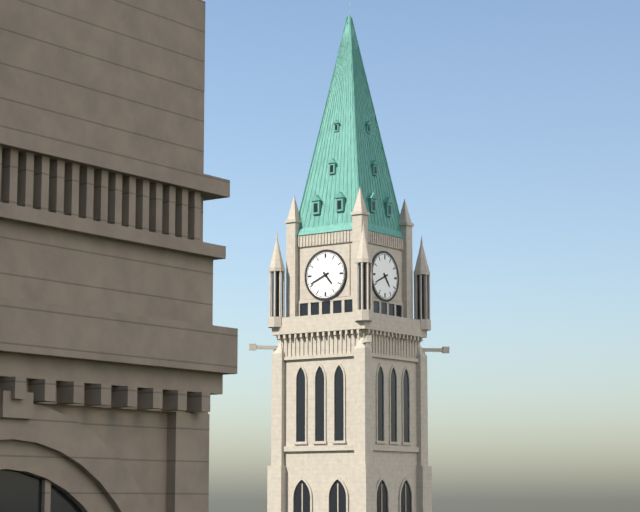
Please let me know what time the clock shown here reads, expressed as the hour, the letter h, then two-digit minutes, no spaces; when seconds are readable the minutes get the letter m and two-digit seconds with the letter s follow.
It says 4h41
